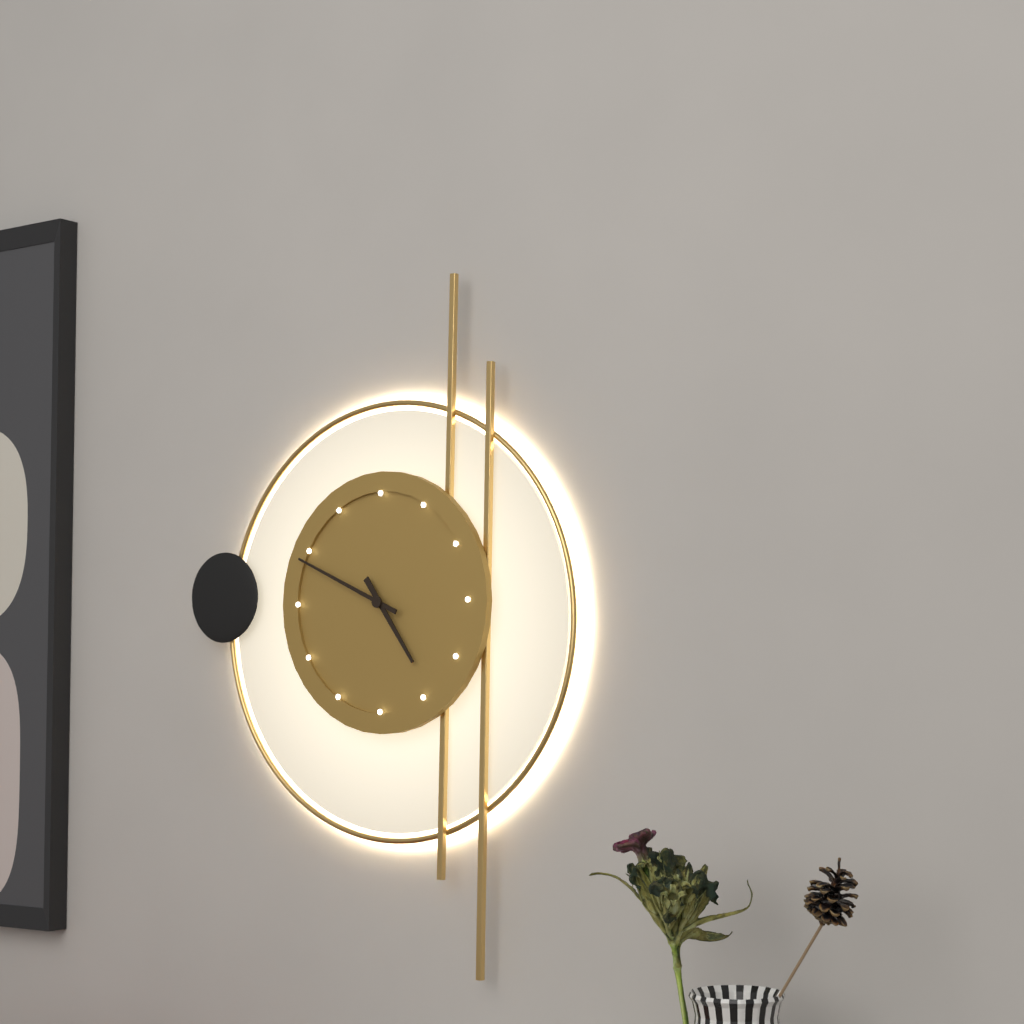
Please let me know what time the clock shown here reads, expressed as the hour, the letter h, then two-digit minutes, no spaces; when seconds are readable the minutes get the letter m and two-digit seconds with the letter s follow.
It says 4h49
